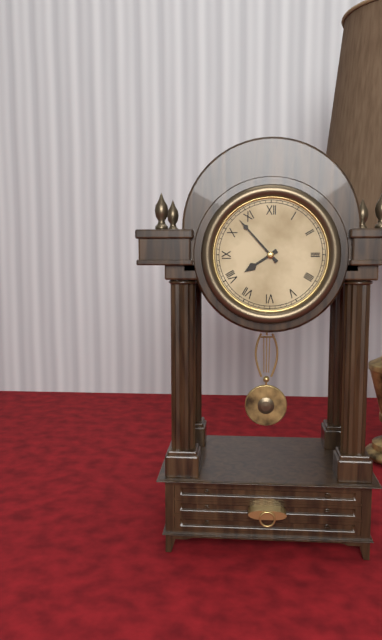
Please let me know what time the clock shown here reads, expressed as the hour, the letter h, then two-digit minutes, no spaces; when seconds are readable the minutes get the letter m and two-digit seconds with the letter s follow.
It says 7h53
